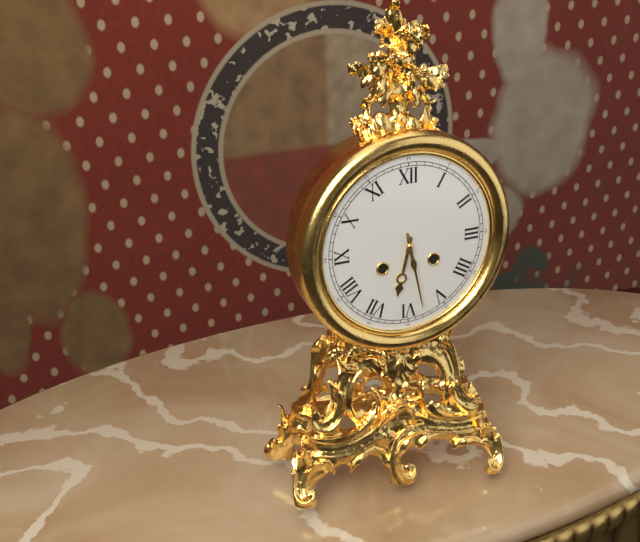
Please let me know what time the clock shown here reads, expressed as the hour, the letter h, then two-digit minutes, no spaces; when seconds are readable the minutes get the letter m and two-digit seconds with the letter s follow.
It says 6h28
